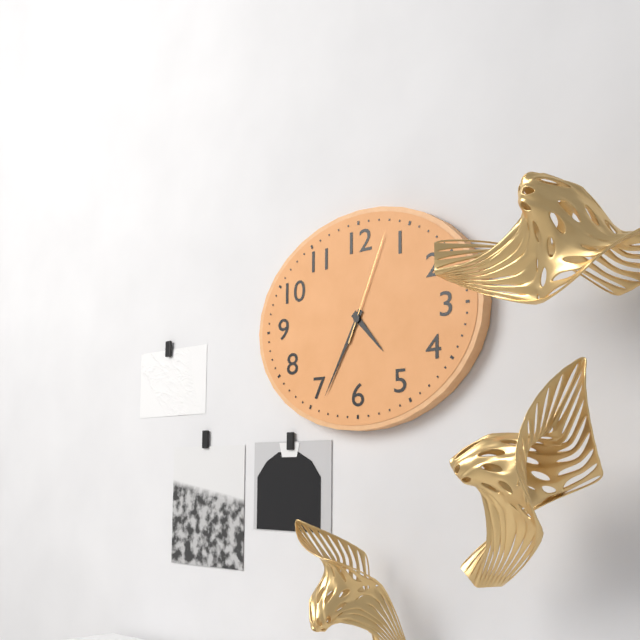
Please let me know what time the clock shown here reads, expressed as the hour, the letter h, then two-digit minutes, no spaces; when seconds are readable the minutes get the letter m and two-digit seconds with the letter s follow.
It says 4h35m04s
